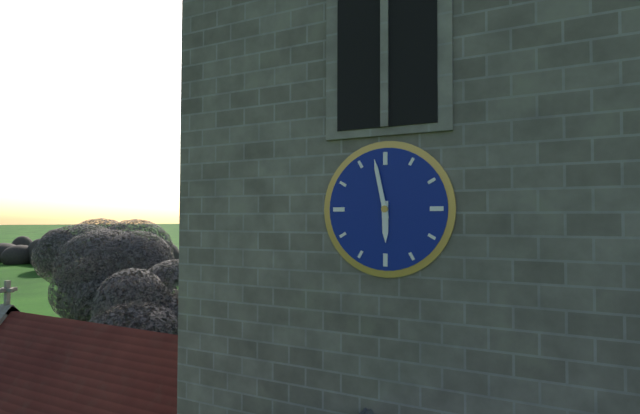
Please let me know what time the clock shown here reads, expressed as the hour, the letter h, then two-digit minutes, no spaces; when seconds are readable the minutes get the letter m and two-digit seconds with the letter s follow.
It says 5h58
